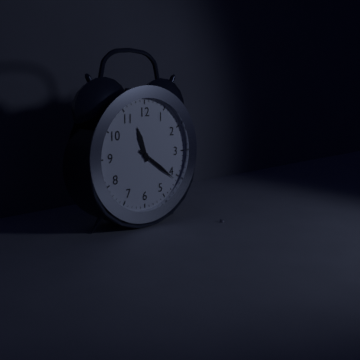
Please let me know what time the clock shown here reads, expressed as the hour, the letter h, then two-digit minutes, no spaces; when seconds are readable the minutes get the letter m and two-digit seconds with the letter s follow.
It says 11h21
